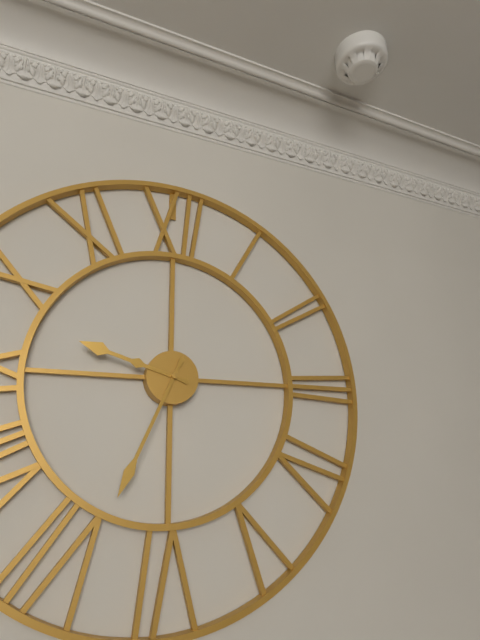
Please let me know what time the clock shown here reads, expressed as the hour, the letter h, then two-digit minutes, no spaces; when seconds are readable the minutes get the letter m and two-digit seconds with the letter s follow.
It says 9h34
